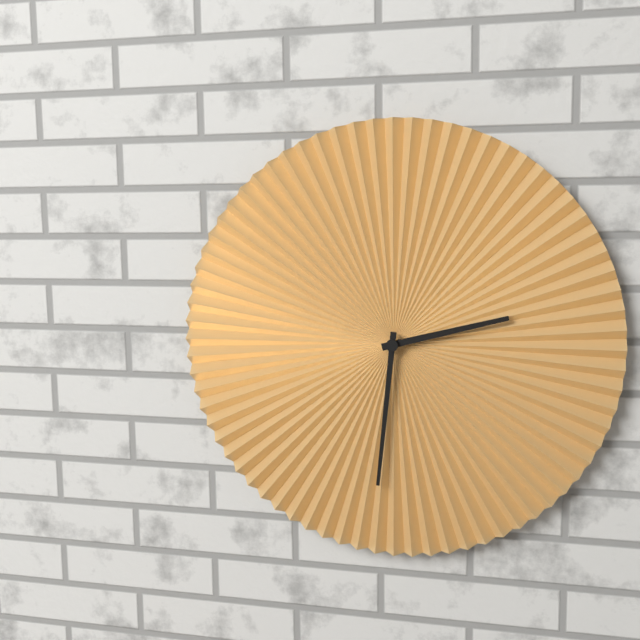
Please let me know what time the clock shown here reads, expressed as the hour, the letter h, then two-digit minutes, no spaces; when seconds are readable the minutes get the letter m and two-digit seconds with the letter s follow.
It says 2h31
